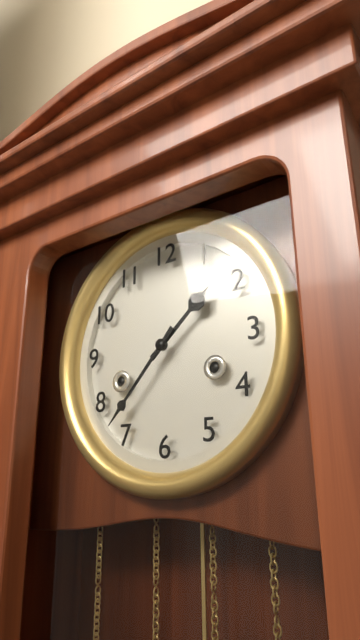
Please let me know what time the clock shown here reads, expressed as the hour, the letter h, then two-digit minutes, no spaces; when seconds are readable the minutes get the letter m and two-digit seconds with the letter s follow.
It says 1h37
